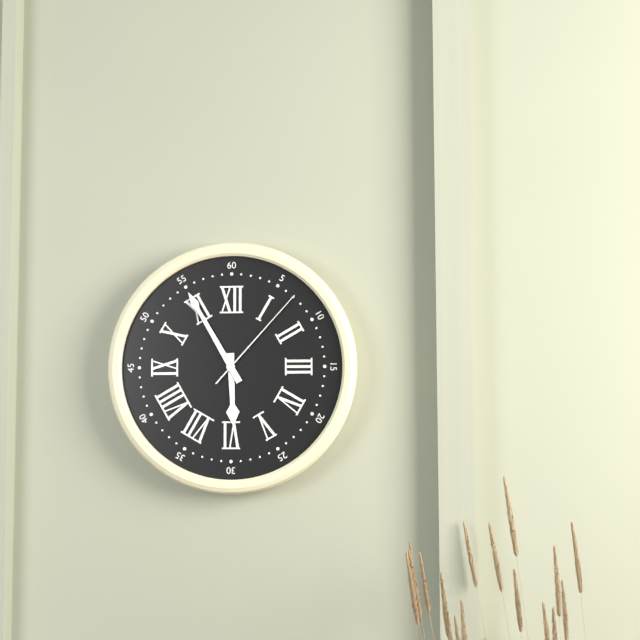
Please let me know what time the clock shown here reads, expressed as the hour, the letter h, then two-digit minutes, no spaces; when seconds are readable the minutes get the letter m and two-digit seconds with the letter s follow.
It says 5h55m07s
